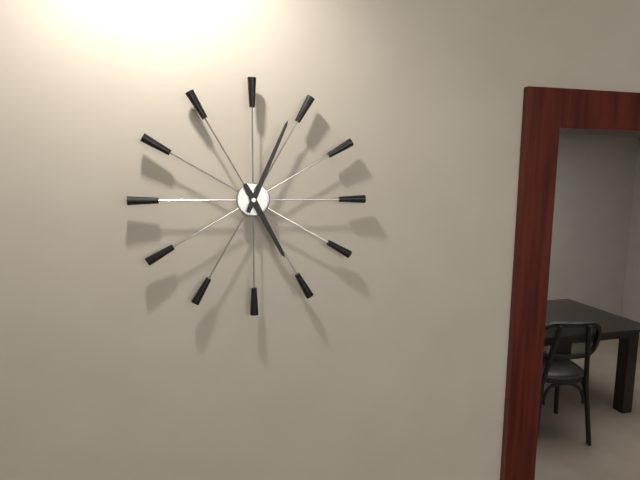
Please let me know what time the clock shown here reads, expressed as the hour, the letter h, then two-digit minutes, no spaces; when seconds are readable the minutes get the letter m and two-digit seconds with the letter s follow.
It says 5h04
